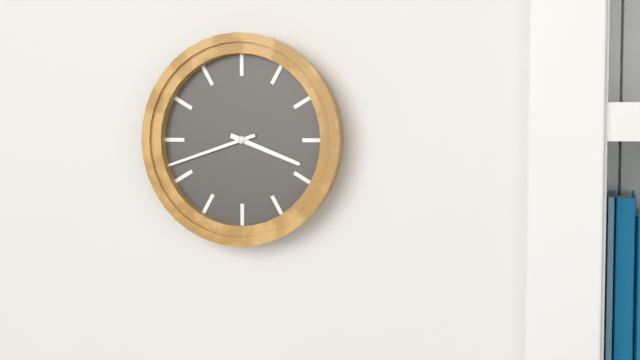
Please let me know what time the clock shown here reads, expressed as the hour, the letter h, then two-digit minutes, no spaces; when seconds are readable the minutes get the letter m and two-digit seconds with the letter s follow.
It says 3h42
